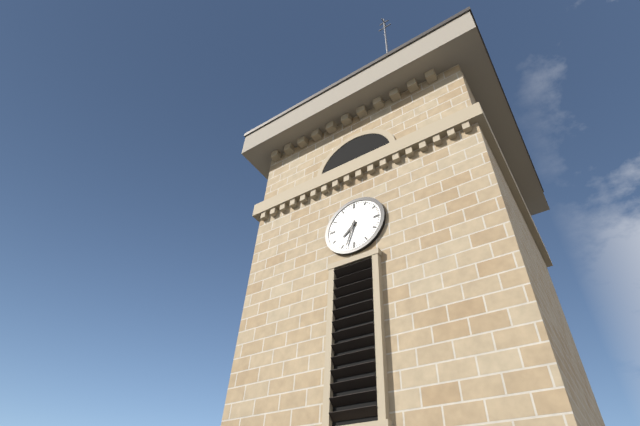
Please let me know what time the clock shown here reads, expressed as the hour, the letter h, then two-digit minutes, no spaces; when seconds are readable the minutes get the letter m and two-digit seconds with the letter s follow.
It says 7h33
